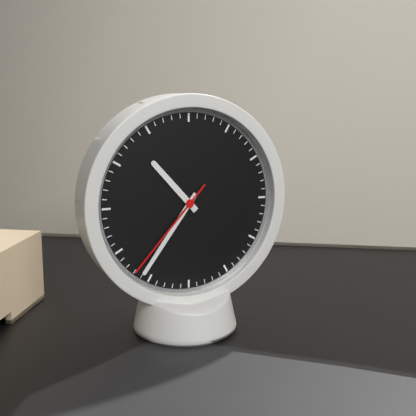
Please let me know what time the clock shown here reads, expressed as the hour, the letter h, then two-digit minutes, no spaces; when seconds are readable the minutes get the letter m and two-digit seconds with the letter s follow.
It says 10h36m37s
